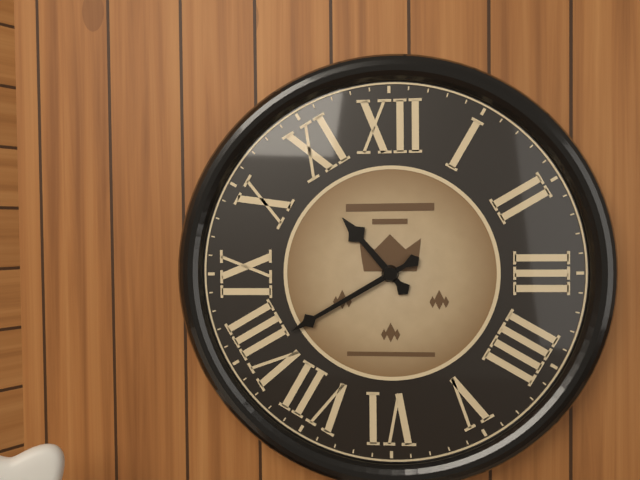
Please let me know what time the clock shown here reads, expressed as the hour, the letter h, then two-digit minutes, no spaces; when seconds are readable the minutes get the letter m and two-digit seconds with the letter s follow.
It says 10h40
